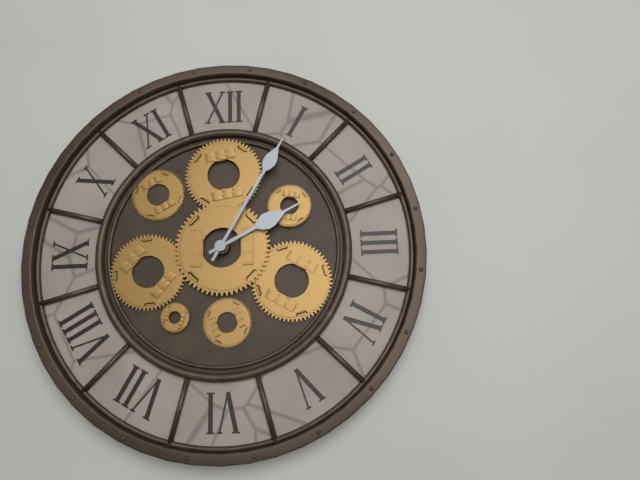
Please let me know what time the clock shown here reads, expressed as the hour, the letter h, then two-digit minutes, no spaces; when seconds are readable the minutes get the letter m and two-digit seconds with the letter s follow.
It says 2h05
